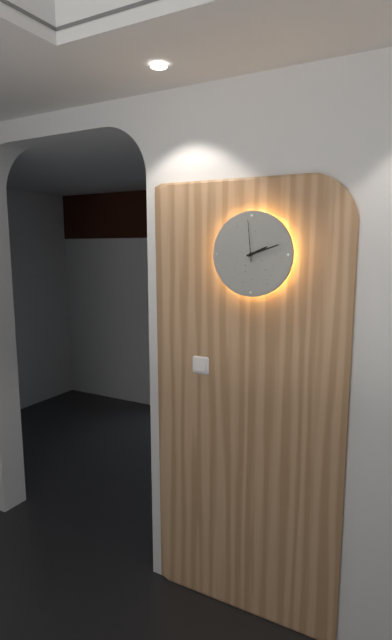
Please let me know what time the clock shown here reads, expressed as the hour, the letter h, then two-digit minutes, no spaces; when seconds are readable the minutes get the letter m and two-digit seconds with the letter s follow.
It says 2h12
